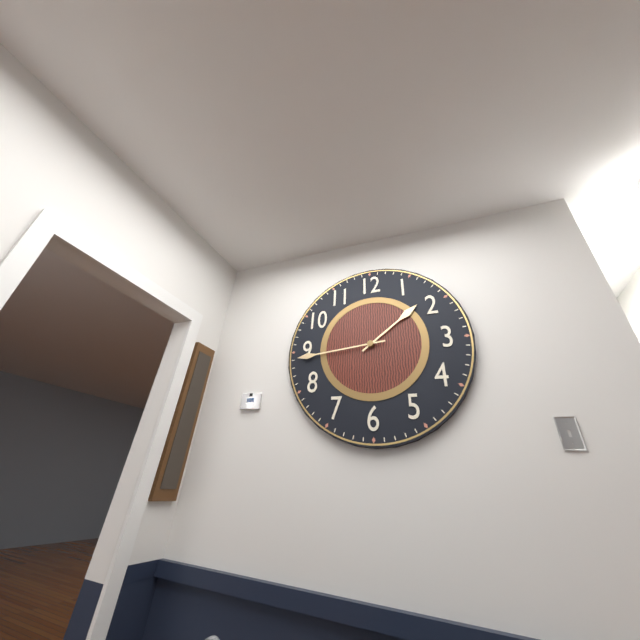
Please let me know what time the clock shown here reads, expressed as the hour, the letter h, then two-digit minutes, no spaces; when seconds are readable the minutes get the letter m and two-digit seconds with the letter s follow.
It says 1h44
